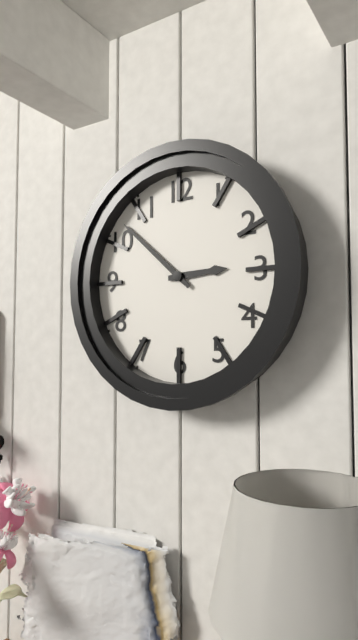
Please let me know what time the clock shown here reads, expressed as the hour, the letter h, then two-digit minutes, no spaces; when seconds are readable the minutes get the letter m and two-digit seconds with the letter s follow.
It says 2h52
